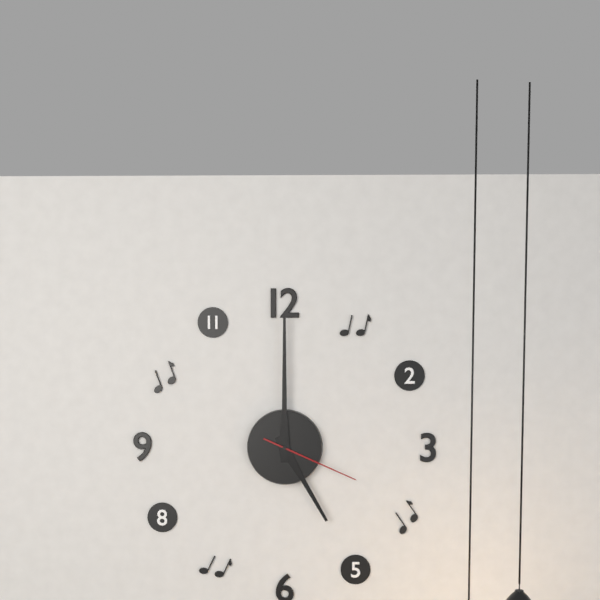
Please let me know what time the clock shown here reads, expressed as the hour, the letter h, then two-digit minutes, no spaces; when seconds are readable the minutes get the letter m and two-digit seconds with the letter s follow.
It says 5h00m19s
